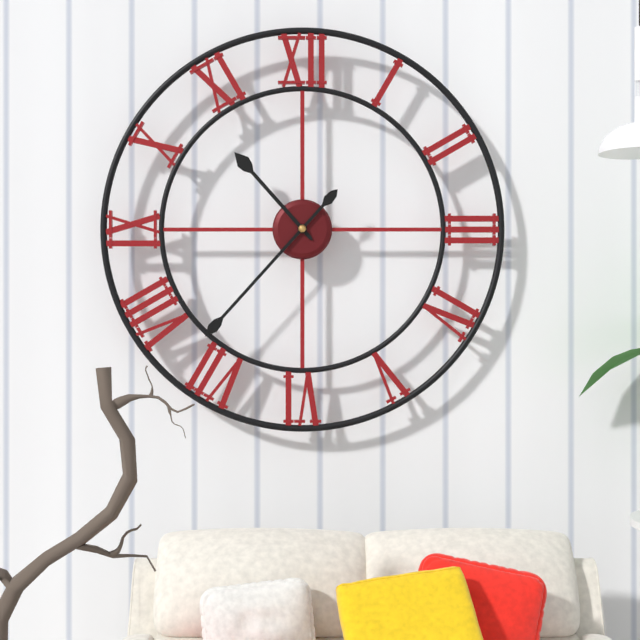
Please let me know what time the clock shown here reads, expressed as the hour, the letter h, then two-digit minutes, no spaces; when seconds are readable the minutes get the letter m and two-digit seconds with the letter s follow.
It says 10h37
